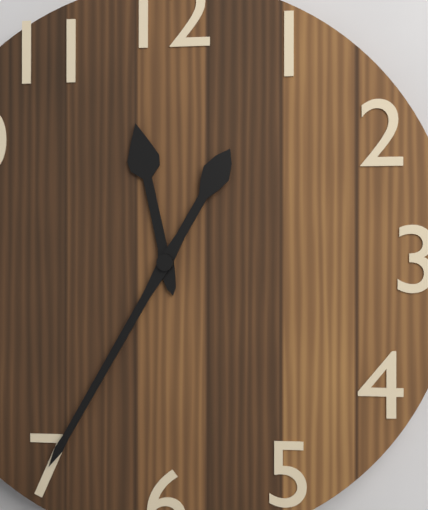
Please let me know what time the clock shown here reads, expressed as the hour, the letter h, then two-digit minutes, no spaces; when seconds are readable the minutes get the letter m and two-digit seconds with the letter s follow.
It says 11h35
